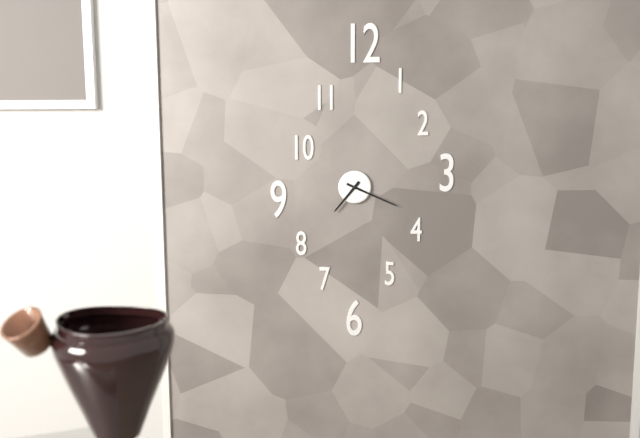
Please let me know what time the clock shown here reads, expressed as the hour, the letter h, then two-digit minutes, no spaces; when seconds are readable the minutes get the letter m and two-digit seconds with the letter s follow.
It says 7h19
